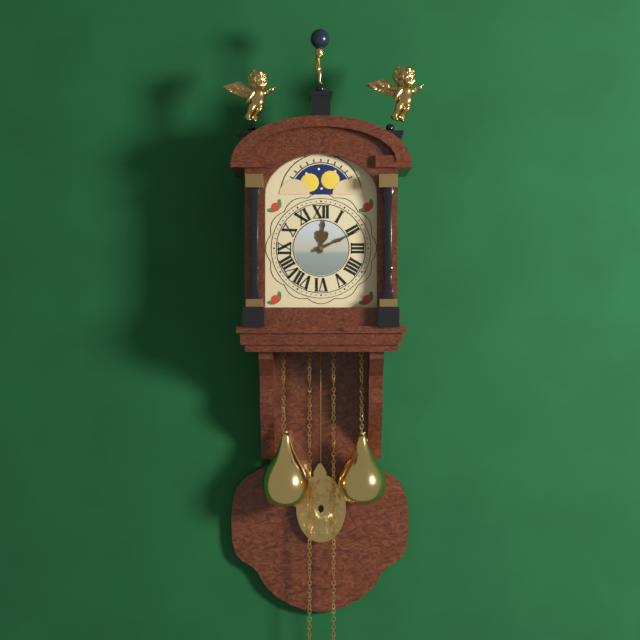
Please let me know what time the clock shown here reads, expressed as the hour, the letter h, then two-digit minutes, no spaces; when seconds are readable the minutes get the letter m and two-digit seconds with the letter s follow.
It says 12h11
